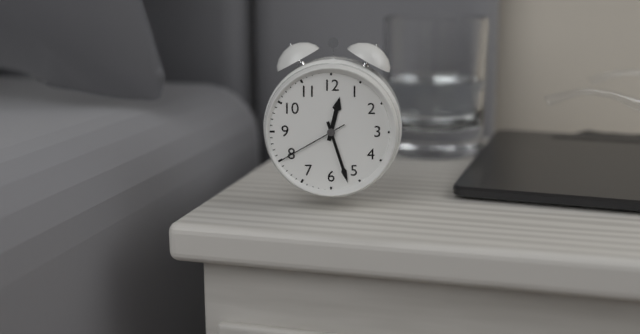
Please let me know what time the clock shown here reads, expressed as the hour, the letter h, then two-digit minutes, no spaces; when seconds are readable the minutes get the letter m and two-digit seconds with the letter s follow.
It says 12h27m40s
